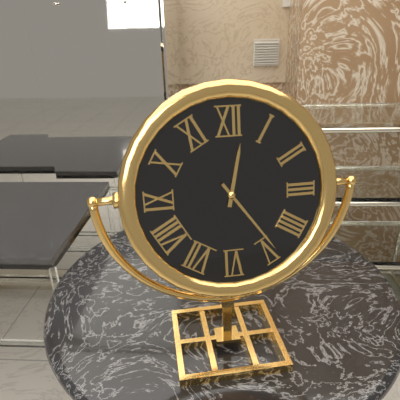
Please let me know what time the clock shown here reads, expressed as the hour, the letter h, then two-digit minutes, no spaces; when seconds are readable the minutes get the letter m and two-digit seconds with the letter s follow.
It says 12h24
